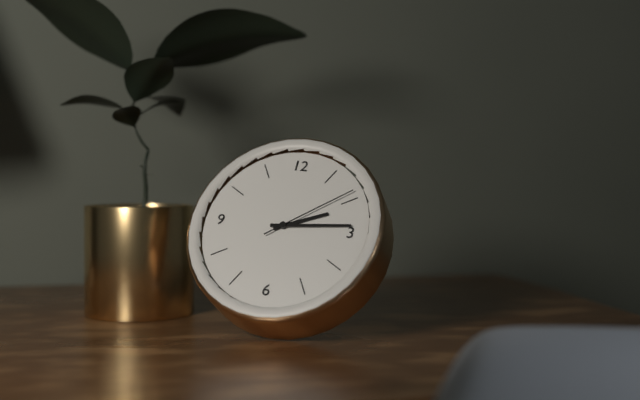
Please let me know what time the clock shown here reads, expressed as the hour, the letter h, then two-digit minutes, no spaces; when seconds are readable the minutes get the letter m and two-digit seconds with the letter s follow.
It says 2h14m09s
